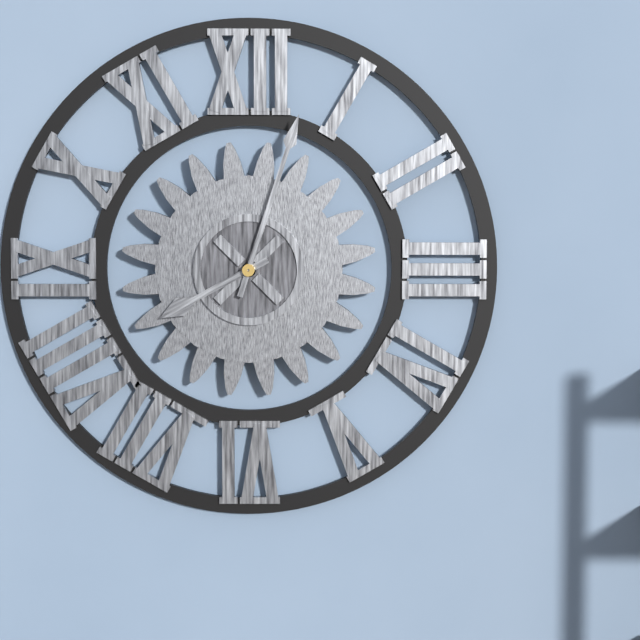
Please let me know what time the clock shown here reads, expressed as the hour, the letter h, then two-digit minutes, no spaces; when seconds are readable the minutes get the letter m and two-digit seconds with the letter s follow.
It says 8h03
